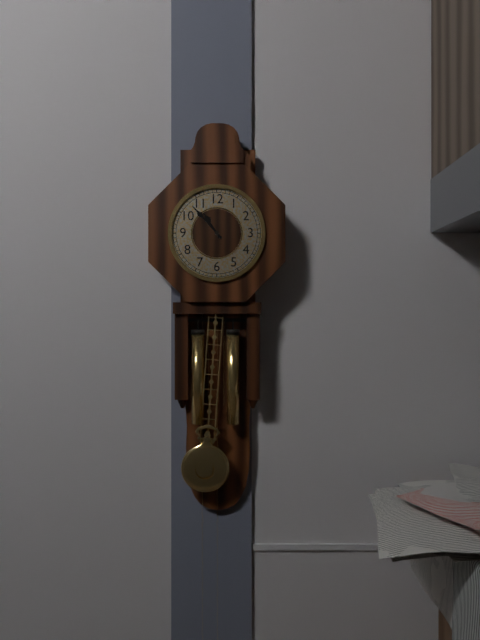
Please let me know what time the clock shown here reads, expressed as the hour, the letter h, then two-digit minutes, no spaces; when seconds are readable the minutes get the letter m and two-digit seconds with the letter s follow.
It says 10h53
